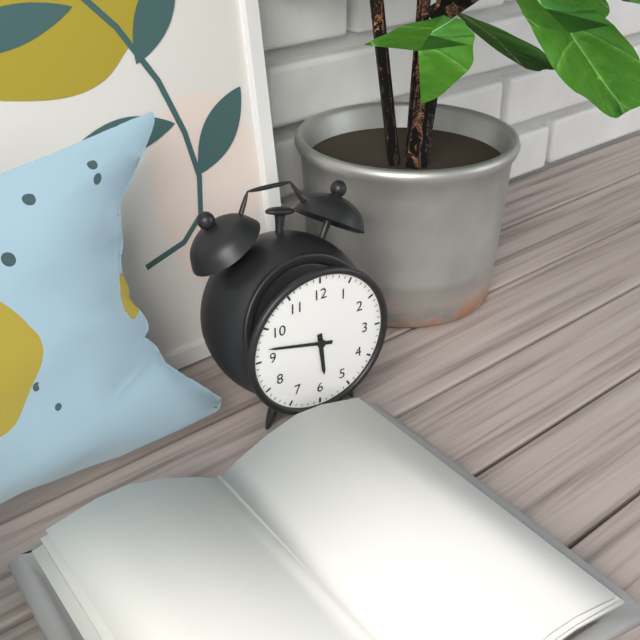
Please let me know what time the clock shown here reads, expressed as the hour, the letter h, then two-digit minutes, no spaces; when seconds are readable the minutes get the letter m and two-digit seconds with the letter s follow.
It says 5h47
